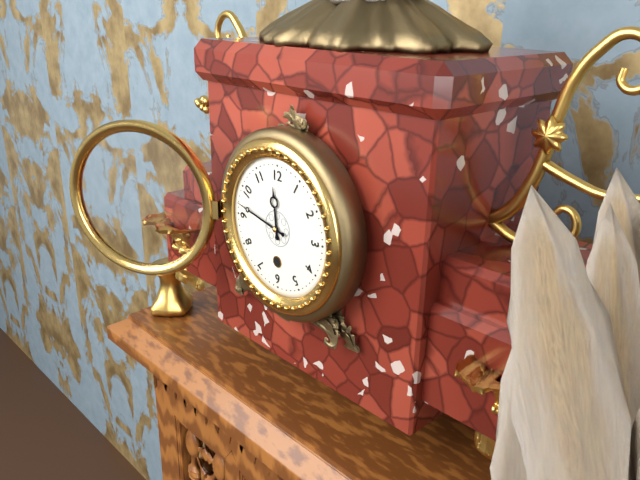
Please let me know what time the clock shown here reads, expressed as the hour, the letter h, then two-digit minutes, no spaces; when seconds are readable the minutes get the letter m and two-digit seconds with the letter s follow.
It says 11h47
